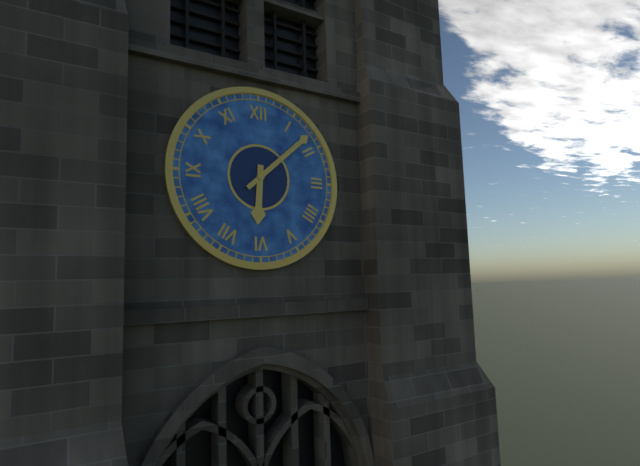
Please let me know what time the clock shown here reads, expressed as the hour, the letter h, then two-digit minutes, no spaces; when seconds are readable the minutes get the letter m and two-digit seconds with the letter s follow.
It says 6h08
